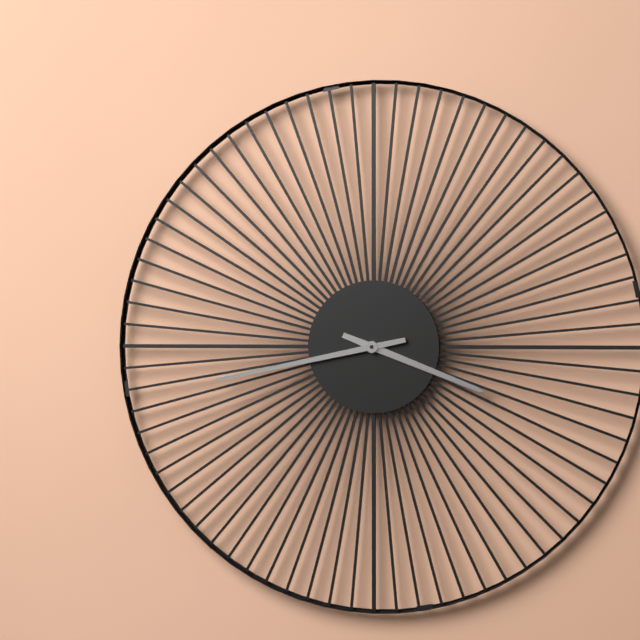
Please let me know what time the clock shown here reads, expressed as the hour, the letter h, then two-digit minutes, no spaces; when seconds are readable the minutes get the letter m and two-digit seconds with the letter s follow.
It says 3h43
